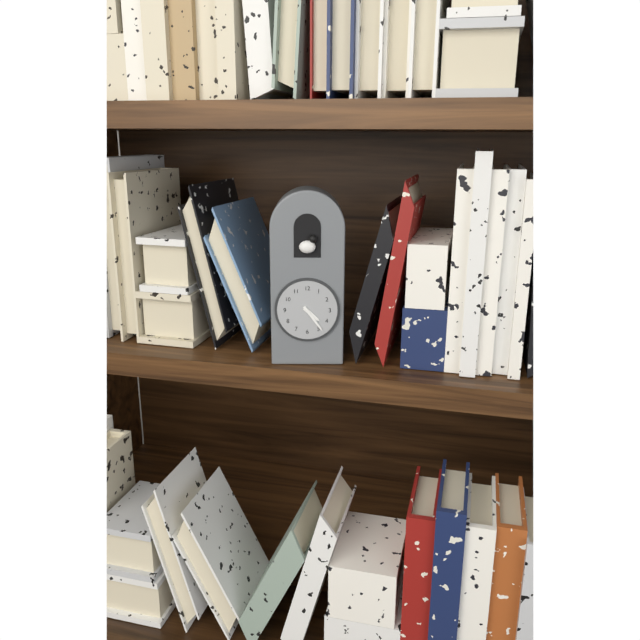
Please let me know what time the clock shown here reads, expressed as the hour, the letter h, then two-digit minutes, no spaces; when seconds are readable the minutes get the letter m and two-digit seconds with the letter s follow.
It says 4h24
